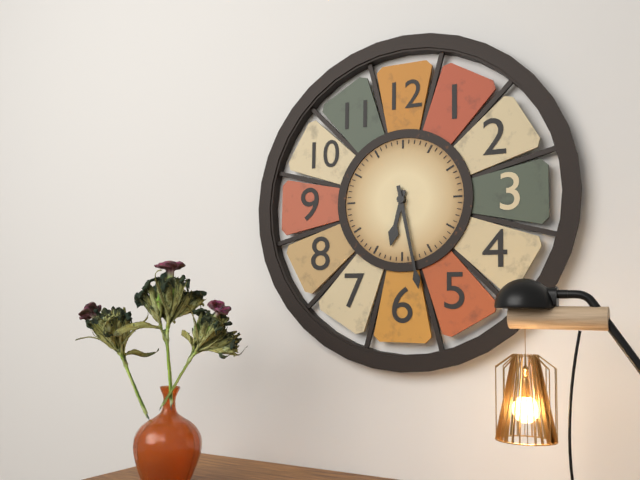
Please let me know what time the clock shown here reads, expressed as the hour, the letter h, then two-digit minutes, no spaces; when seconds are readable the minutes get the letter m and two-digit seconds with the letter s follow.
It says 6h28
